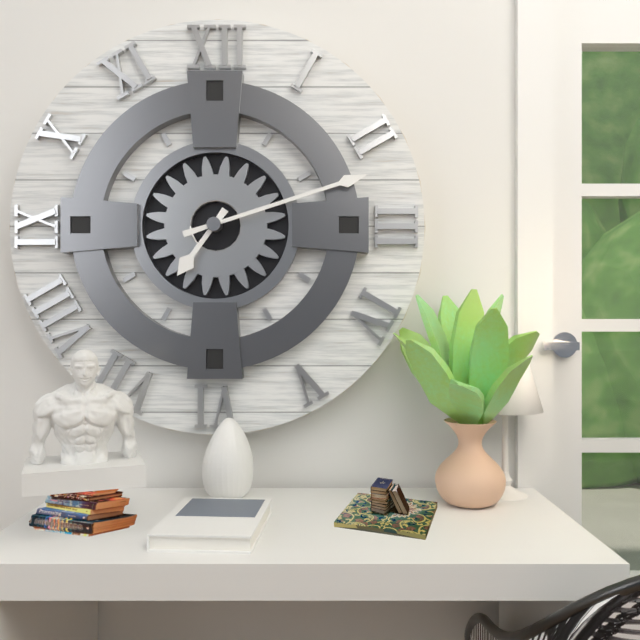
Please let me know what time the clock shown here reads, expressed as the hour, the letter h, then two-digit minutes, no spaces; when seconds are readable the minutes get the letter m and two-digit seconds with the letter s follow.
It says 7h12
